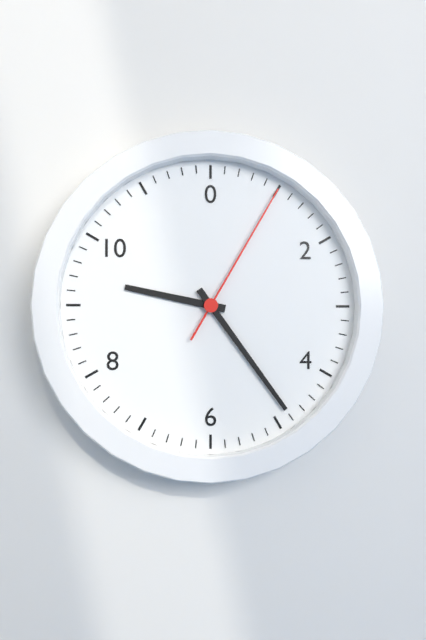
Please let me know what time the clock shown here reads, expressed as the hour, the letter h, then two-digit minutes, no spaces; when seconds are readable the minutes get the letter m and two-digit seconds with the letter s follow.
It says 9h24m05s
